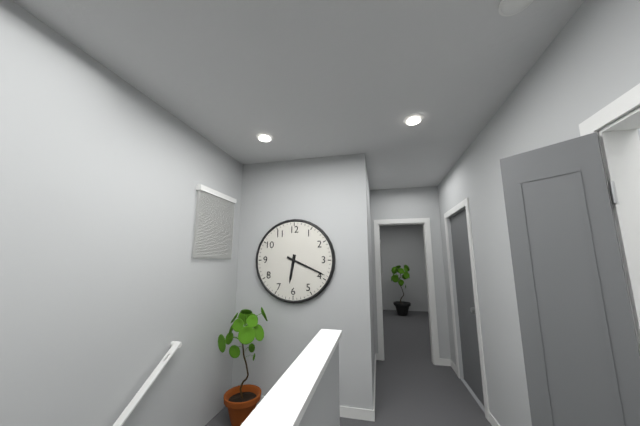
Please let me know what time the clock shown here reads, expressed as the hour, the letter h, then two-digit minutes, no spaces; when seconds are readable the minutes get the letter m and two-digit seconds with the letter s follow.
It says 6h19
